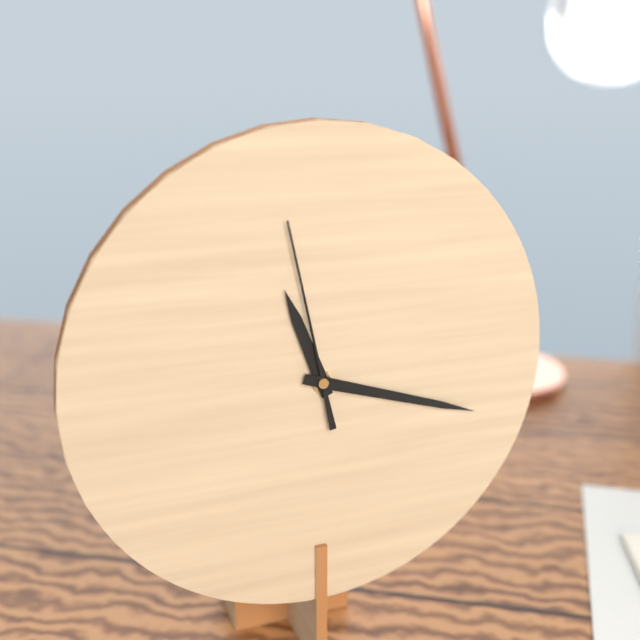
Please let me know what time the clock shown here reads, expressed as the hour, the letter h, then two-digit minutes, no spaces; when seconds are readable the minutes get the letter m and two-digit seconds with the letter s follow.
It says 11h18m58s
